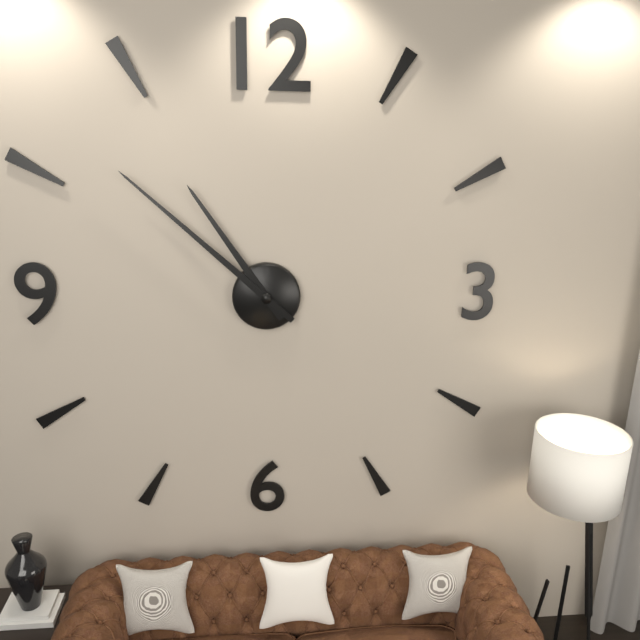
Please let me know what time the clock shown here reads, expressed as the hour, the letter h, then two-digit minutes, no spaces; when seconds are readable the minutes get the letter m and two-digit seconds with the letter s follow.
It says 10h52
